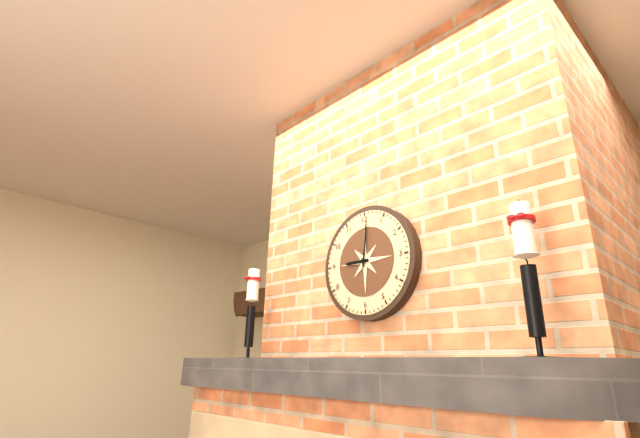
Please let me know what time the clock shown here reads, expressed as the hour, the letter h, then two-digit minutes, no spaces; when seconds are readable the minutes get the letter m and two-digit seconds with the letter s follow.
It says 9h01
